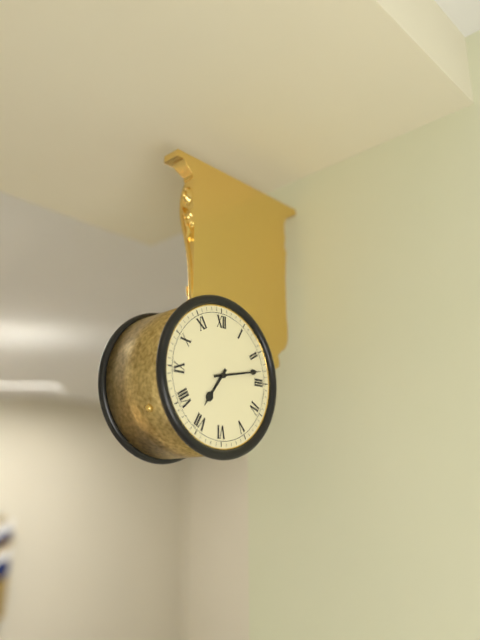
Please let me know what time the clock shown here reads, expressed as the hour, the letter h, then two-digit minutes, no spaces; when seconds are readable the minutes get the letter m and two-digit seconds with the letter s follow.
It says 7h13
